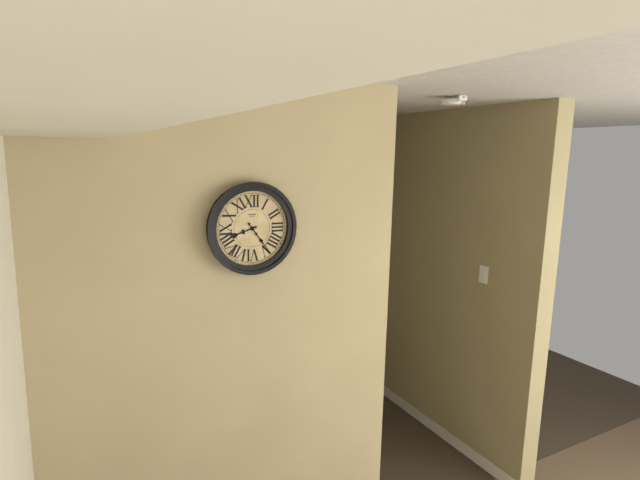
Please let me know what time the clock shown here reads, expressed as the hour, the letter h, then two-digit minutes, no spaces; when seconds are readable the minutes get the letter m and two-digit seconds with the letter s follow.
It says 8h24
